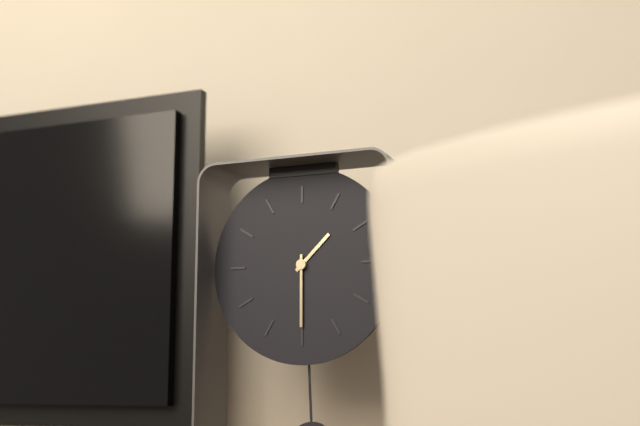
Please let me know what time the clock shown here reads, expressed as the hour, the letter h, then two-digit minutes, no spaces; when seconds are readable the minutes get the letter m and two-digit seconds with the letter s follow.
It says 1h30
